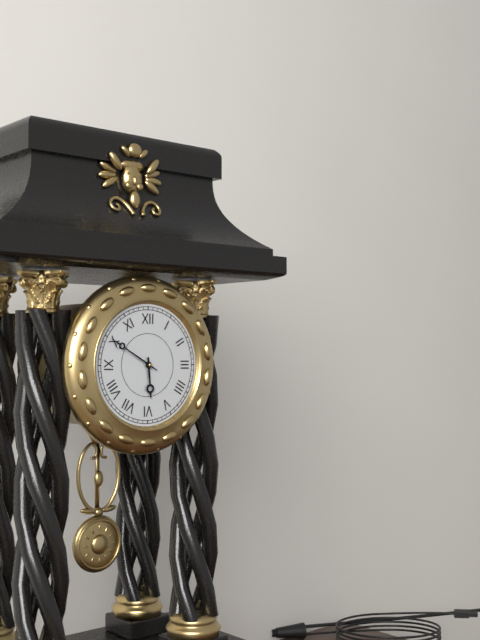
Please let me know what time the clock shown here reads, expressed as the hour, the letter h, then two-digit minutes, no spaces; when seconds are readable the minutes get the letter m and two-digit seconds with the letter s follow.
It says 5h50
